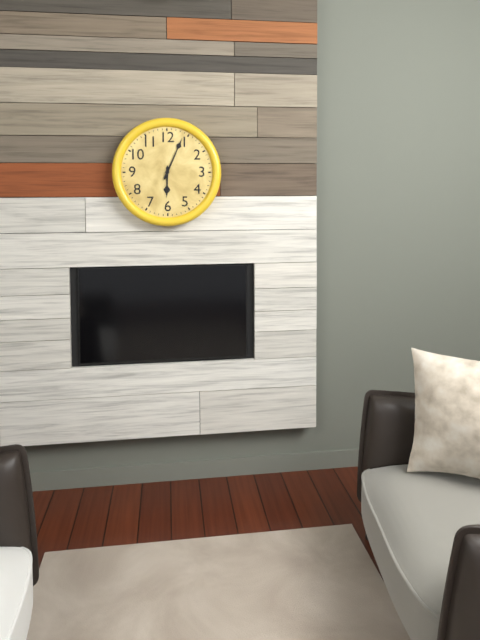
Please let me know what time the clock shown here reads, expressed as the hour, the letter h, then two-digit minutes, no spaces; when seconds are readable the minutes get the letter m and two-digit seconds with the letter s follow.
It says 6h04
